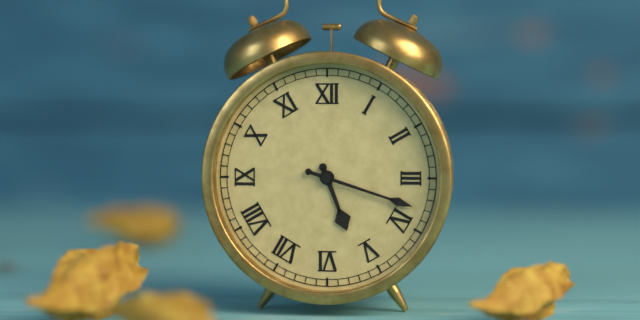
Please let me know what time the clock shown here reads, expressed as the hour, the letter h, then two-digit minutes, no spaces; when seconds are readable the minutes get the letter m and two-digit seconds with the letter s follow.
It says 5h18
